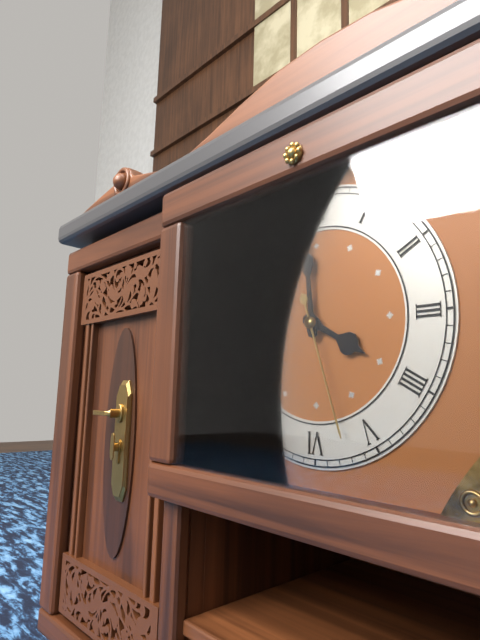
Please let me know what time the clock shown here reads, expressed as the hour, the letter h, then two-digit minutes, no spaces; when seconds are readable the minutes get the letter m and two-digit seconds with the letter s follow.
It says 3h59m27s
